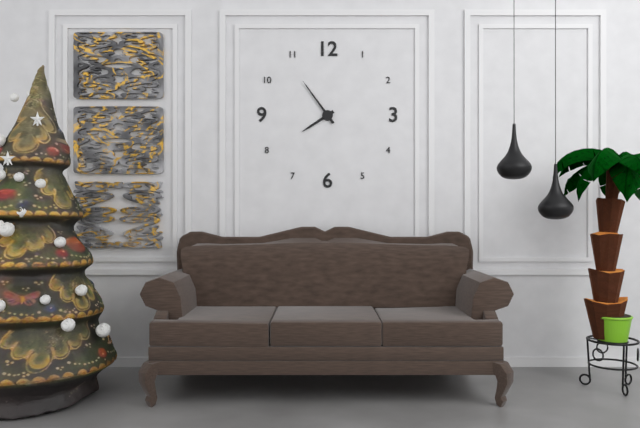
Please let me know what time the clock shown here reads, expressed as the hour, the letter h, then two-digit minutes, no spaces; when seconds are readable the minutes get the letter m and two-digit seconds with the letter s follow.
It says 7h54
